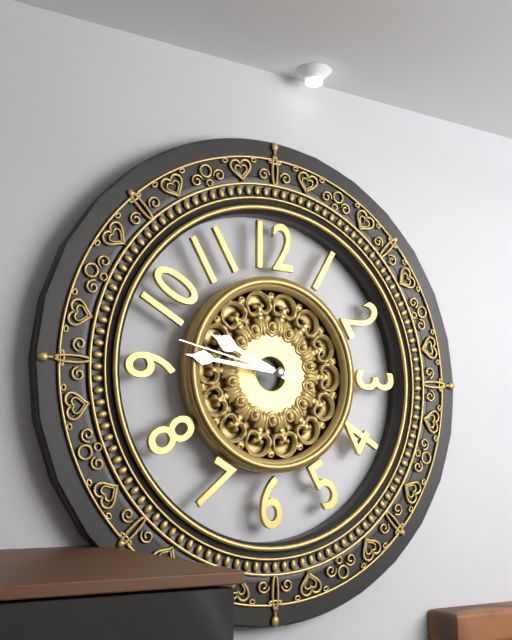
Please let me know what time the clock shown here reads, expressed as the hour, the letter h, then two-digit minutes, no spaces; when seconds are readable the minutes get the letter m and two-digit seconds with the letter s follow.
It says 9h46m47s
